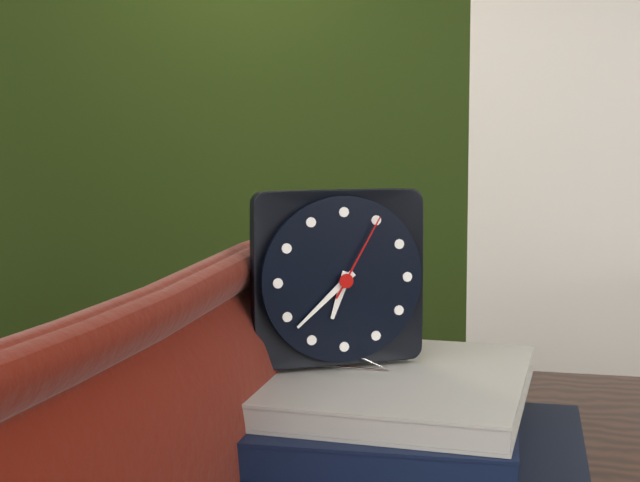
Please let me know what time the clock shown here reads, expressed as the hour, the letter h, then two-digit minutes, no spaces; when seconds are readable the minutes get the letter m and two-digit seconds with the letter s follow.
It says 6h38m05s
